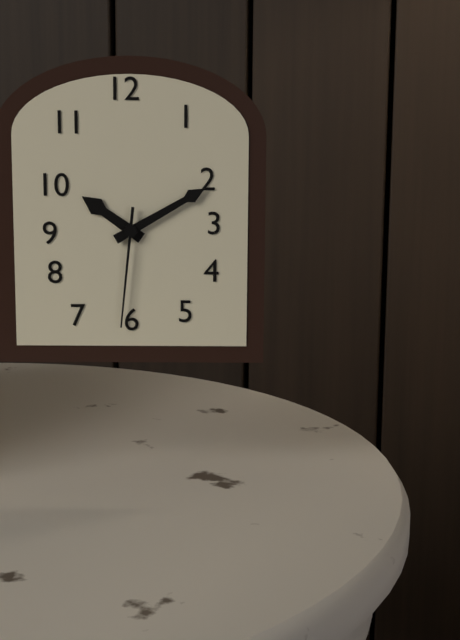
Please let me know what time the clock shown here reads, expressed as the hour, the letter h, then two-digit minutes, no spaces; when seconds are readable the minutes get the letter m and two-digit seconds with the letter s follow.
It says 10h10m31s
